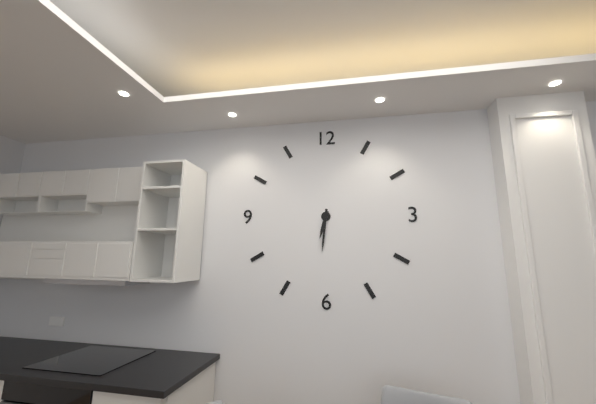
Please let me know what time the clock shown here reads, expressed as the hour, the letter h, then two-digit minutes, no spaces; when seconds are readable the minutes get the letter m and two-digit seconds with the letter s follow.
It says 6h31
